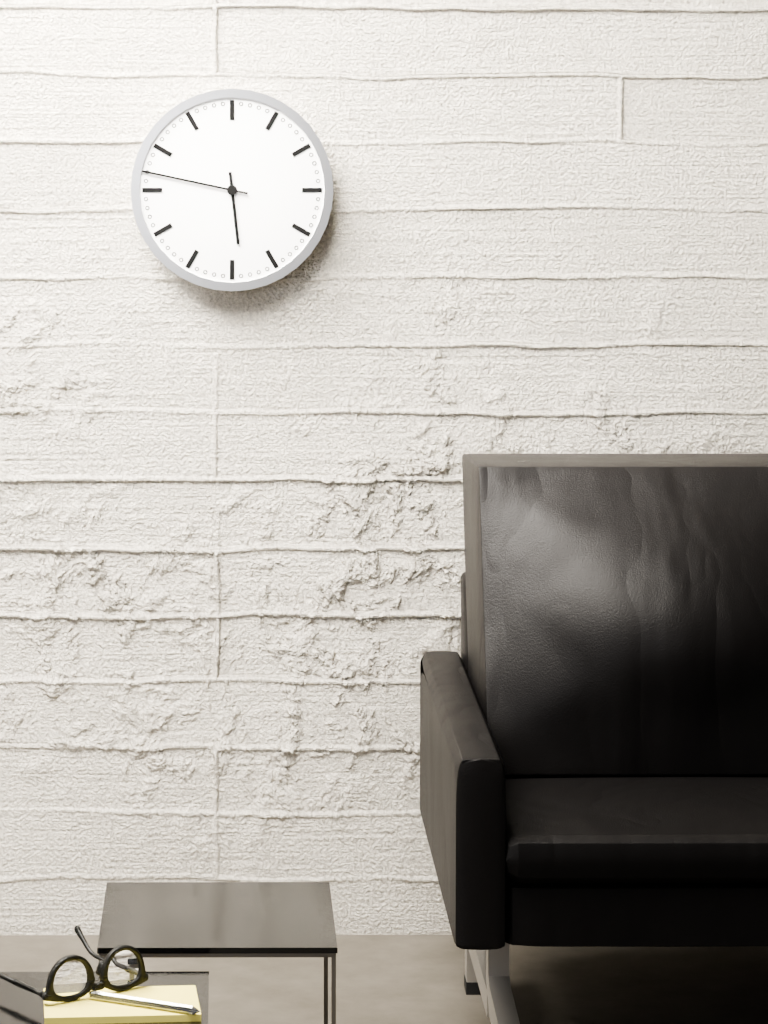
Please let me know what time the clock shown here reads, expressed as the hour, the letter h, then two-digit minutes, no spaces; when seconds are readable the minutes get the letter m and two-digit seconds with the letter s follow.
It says 5h47
